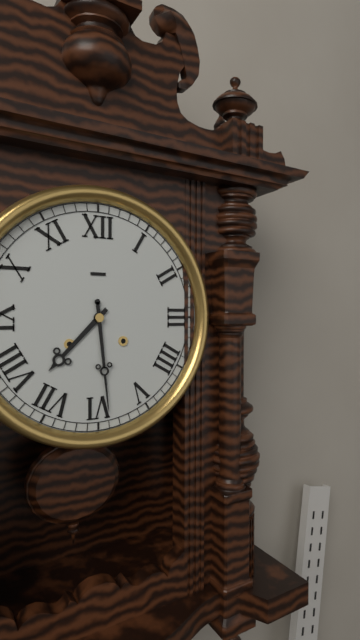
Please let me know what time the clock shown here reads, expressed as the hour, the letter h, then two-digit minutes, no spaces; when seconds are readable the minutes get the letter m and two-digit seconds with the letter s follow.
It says 7h29
